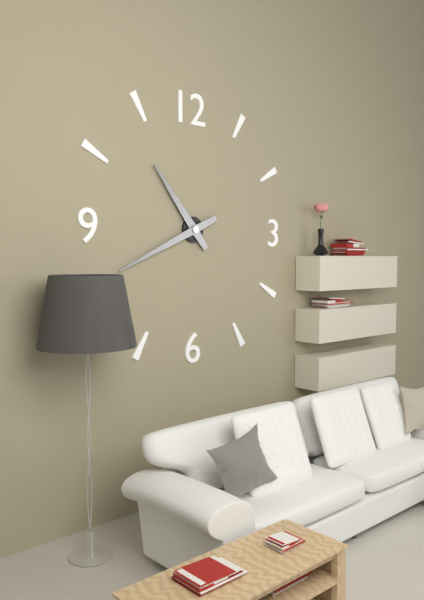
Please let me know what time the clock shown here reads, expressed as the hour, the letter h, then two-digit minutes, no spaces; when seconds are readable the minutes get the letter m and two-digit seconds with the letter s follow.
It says 10h41
